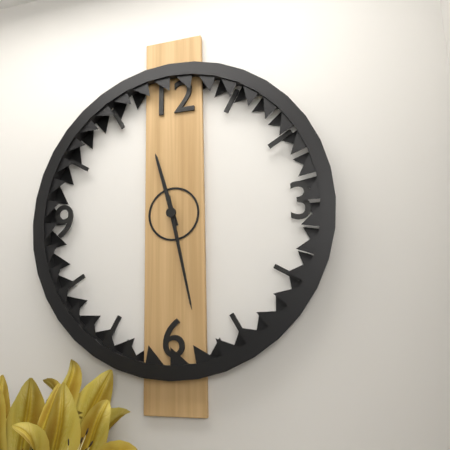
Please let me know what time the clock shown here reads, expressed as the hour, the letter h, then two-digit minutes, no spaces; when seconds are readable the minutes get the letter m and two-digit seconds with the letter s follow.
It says 11h28
